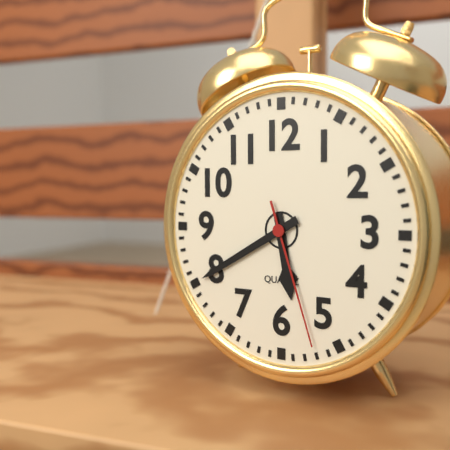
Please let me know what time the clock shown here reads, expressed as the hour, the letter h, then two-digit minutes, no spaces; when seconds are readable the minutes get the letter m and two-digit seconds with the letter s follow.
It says 5h40m27s
